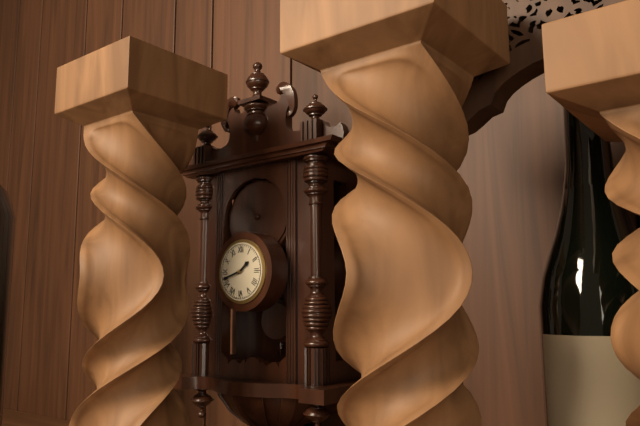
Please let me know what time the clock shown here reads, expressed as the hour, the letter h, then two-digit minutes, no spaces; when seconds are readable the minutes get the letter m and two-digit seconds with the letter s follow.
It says 1h42
